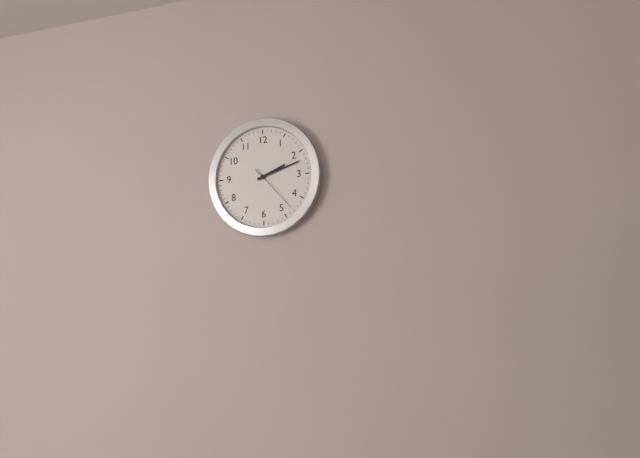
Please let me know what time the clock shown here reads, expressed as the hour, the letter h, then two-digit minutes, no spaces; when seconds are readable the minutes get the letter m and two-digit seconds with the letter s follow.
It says 2h12m23s
